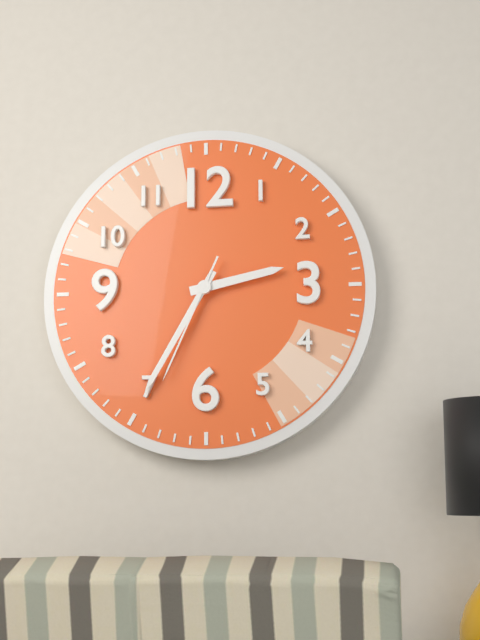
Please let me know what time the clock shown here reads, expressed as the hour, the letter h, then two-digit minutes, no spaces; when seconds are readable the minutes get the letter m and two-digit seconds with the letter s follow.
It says 2h35m34s
